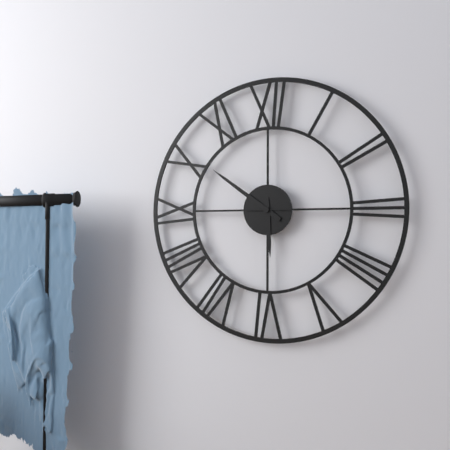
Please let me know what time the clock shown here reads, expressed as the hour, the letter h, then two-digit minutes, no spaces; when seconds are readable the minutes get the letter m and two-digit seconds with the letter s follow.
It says 5h51m15s
